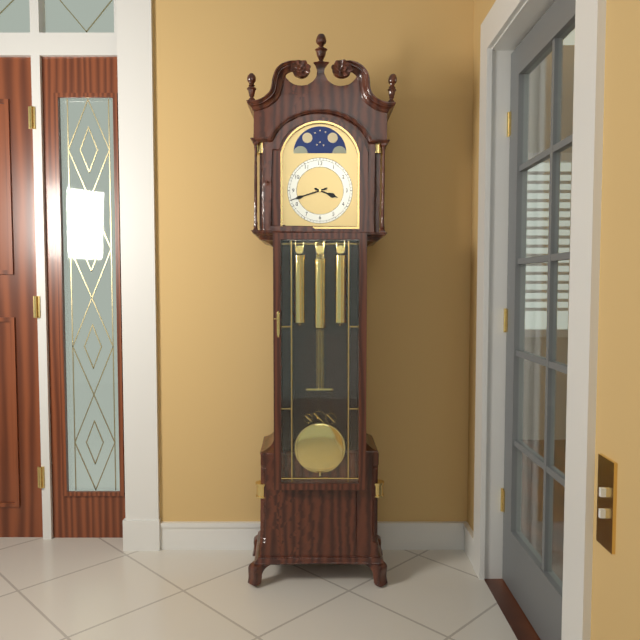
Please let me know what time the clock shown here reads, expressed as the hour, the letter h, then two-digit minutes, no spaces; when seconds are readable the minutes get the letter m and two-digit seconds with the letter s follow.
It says 3h42
